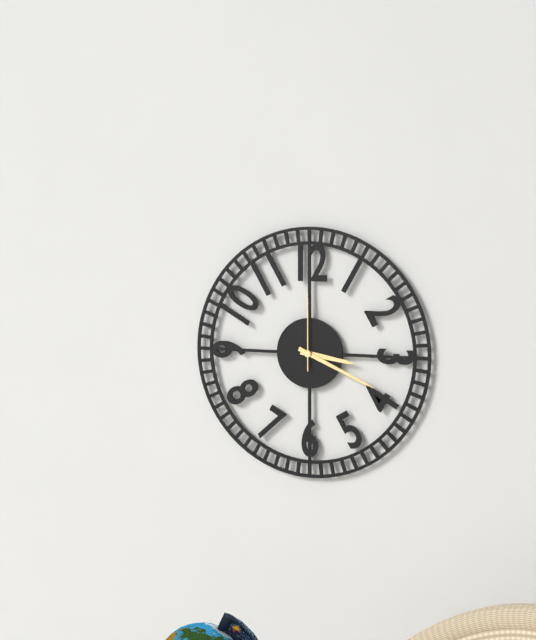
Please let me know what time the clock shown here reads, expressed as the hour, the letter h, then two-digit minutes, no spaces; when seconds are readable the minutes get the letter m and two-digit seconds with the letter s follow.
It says 3h19m00s
